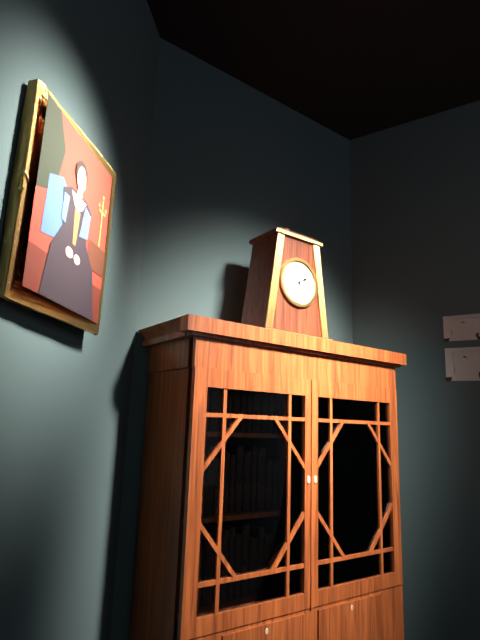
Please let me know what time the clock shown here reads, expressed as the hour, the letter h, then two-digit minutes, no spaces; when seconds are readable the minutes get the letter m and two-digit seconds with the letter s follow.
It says 1h58
